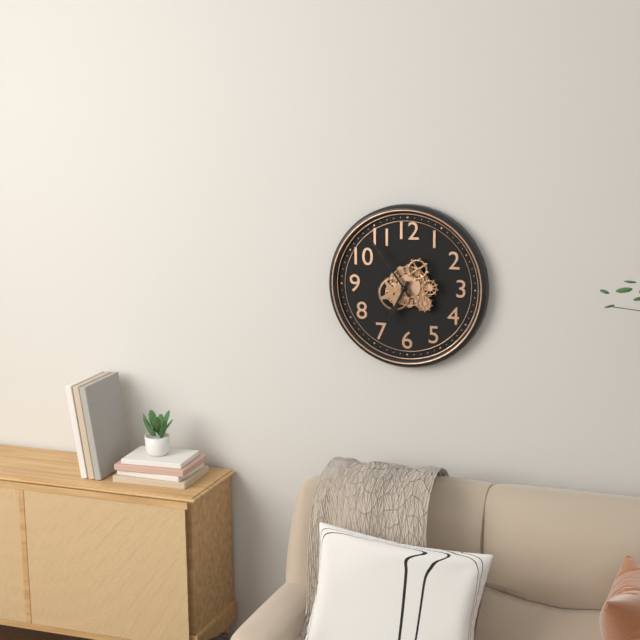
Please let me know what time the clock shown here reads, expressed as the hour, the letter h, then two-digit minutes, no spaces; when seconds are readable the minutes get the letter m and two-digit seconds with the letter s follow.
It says 6h54
